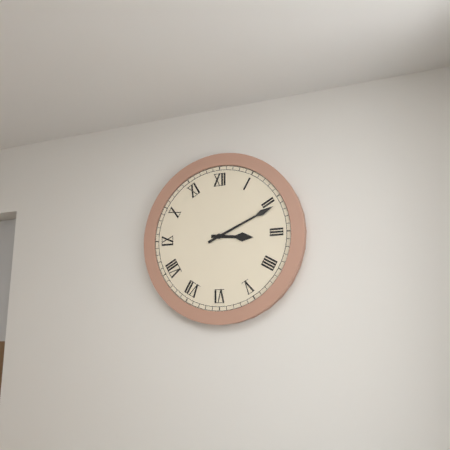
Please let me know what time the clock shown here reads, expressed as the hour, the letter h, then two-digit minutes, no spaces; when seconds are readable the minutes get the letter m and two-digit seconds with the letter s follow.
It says 3h11
